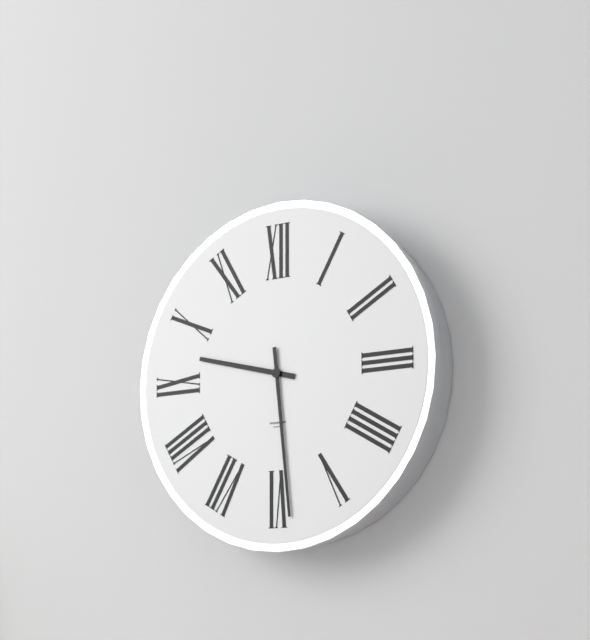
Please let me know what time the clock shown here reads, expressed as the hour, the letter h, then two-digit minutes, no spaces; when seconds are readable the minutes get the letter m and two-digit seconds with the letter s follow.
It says 9h29
